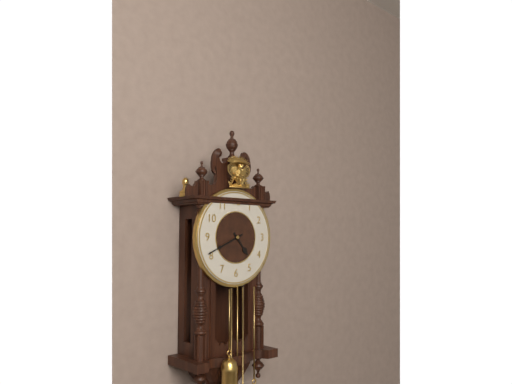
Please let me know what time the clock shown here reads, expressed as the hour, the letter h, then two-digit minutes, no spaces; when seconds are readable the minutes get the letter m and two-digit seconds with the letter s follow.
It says 4h41
